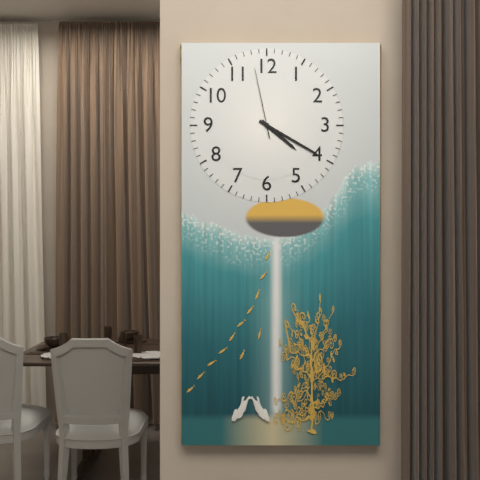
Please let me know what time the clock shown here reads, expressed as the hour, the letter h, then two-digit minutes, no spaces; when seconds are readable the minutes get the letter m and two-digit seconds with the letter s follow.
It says 4h20m58s
